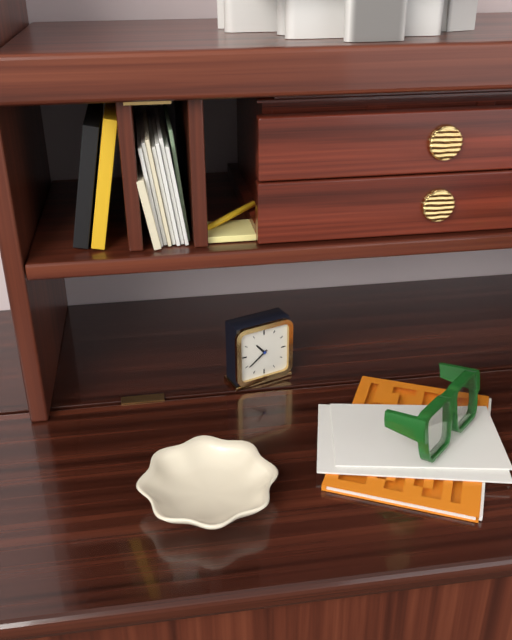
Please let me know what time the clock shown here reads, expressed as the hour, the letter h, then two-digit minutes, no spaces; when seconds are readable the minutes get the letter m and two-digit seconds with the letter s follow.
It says 10h39
